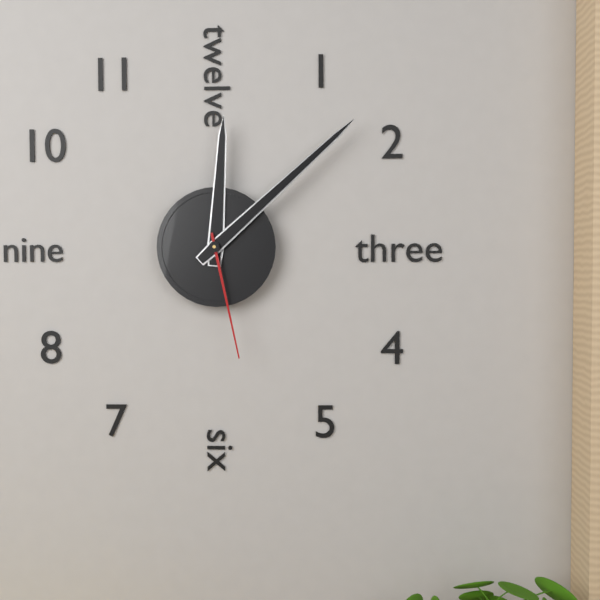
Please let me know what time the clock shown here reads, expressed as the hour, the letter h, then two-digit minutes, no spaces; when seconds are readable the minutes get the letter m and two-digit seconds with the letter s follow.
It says 12h08m28s
